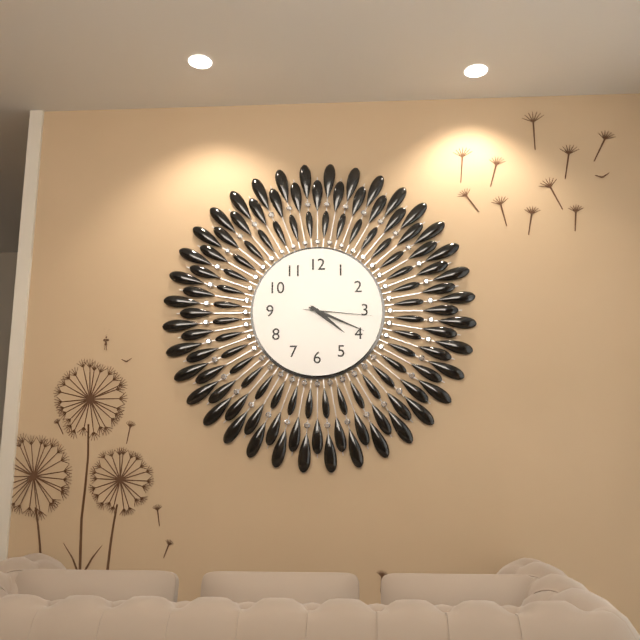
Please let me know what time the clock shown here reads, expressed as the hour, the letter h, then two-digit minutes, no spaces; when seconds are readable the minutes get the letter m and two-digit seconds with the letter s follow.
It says 4h19m16s
